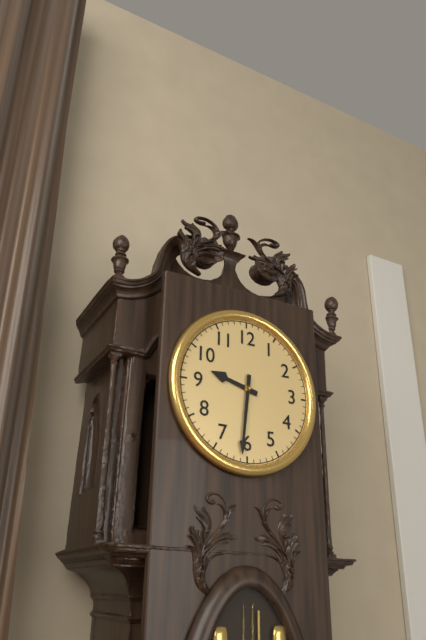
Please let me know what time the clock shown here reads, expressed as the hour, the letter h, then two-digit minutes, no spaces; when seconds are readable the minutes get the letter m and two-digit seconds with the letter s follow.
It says 9h31
